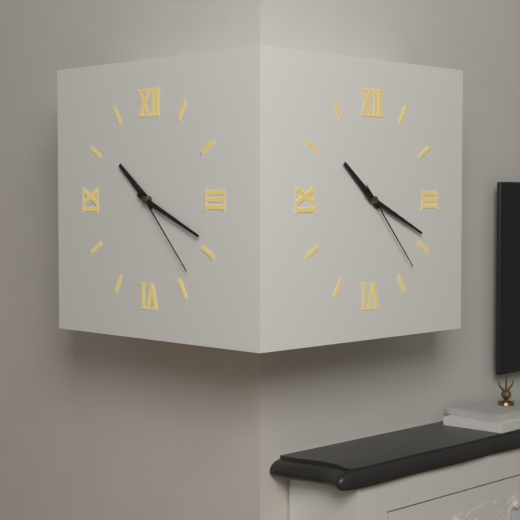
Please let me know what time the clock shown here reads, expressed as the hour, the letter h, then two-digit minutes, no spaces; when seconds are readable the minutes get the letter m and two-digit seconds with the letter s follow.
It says 10h19m23s
